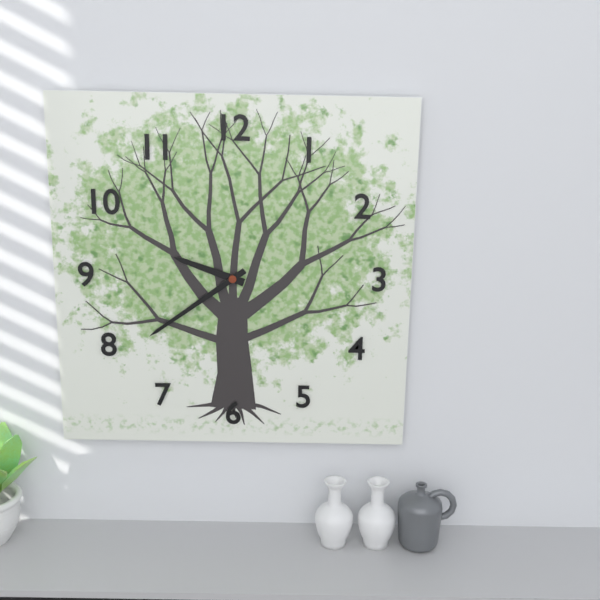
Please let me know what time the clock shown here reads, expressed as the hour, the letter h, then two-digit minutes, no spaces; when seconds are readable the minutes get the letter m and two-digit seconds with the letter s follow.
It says 9h39
